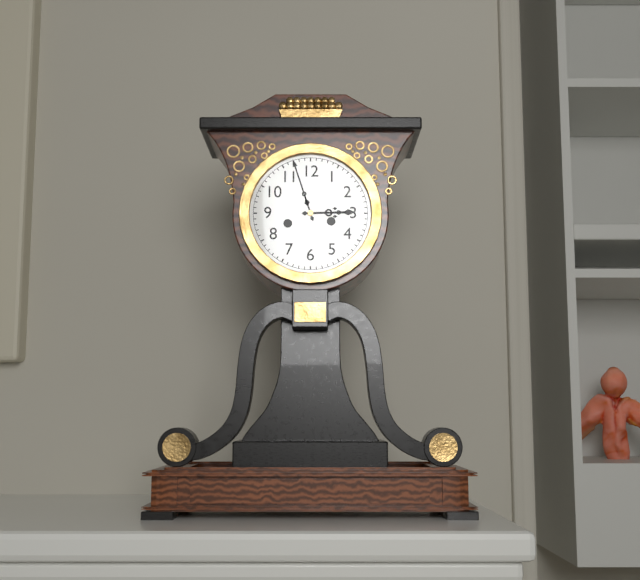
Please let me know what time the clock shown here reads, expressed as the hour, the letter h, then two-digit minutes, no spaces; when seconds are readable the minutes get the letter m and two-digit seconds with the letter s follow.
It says 2h57
